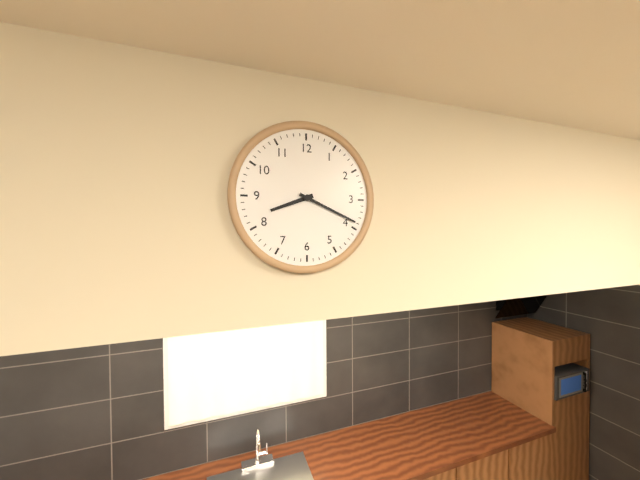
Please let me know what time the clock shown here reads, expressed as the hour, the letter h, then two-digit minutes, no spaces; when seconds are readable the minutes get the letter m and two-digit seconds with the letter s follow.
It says 8h19
